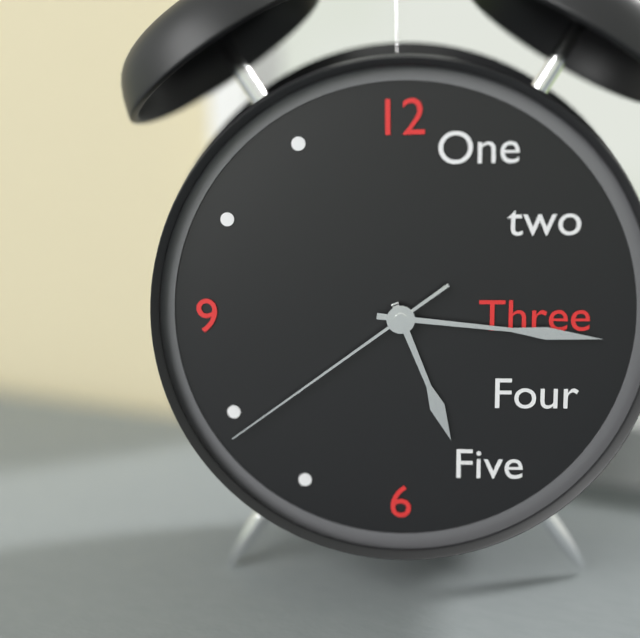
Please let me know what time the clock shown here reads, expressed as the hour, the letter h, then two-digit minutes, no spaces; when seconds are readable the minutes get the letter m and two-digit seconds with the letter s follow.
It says 5h16m39s
